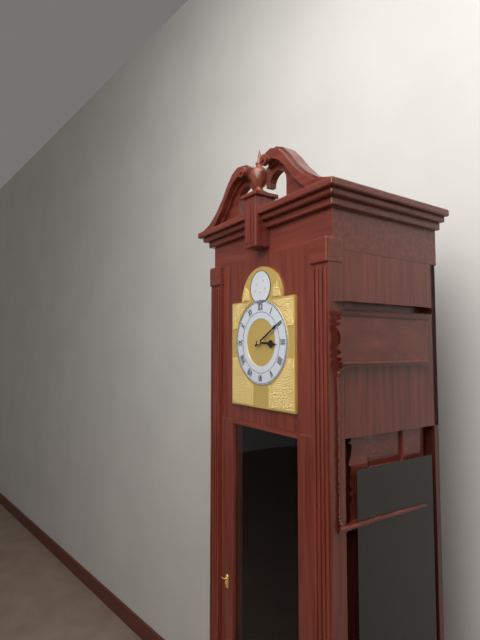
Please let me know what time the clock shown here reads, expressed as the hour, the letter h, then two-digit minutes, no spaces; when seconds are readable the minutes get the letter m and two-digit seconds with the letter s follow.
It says 3h10
